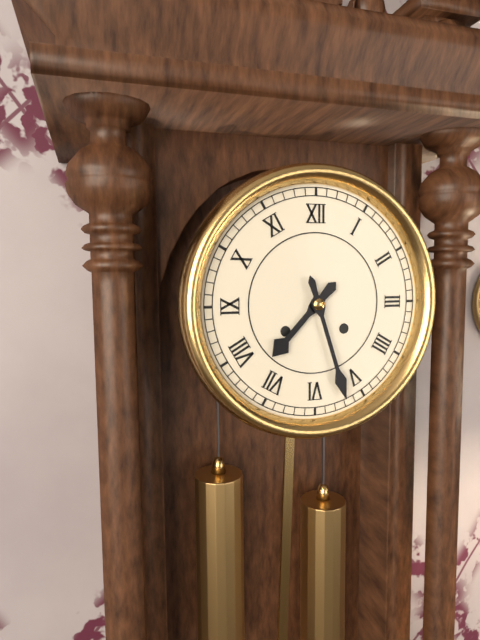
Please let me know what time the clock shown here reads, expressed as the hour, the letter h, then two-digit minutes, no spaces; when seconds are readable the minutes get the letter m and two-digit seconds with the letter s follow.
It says 7h27
